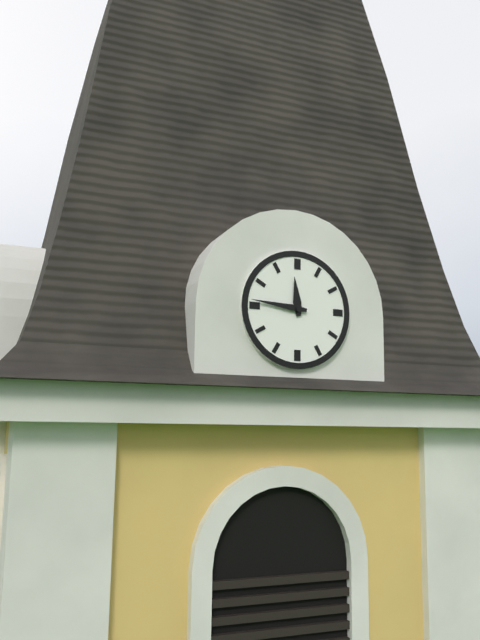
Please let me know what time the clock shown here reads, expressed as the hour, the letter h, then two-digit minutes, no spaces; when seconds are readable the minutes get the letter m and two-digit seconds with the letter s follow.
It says 11h46
